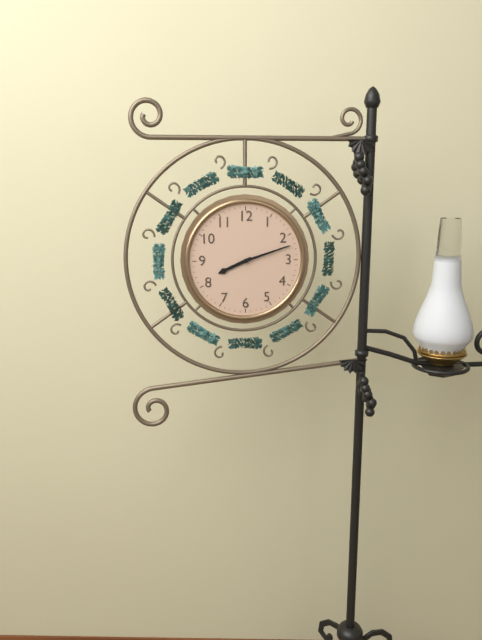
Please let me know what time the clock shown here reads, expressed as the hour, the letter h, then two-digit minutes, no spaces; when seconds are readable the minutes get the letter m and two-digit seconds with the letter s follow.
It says 8h12
